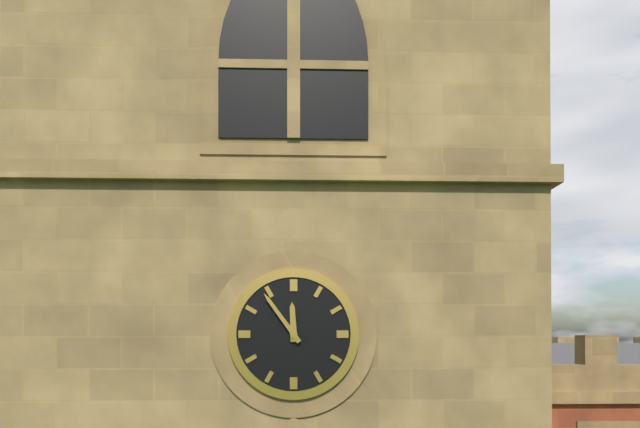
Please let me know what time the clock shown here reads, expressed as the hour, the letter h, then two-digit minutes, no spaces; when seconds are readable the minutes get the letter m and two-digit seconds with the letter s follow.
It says 11h54
